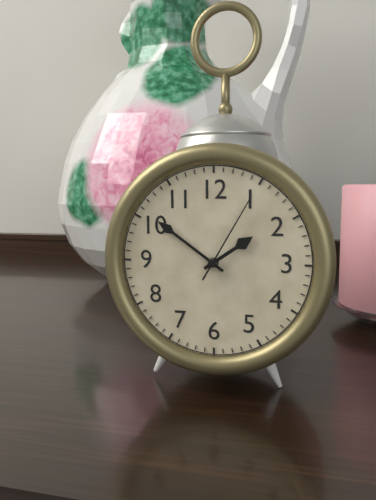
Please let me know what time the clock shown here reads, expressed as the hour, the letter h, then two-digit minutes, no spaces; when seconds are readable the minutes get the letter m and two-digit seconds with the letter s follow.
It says 1h51m05s
